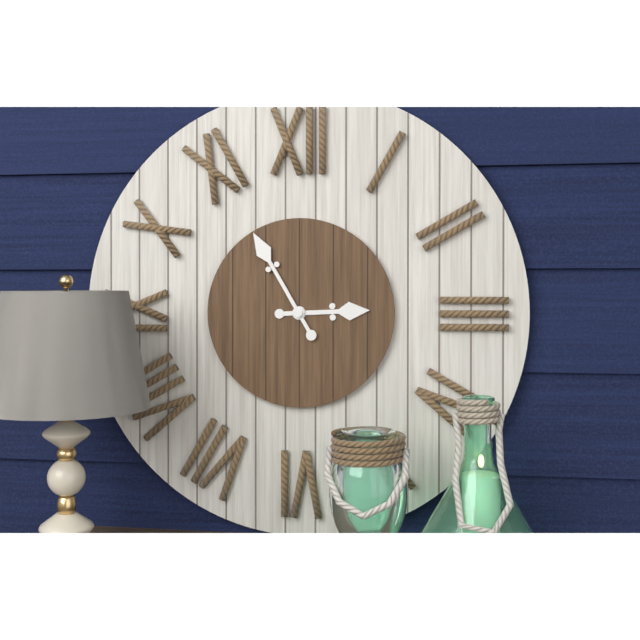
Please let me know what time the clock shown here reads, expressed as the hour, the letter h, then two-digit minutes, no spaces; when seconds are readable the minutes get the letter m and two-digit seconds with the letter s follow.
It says 2h55
